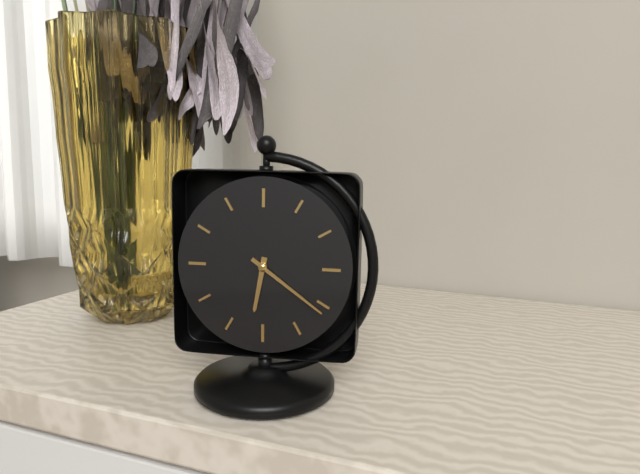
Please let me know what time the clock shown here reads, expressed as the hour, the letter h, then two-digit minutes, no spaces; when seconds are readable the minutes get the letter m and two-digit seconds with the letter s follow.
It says 6h21
